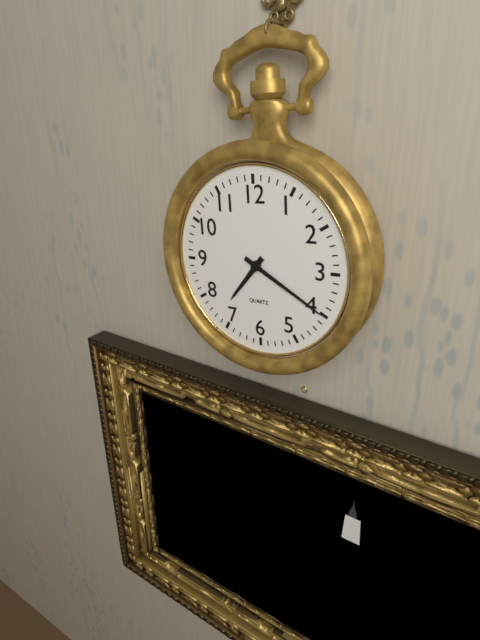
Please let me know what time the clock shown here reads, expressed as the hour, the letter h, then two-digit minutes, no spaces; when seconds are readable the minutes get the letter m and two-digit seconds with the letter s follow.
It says 7h20
